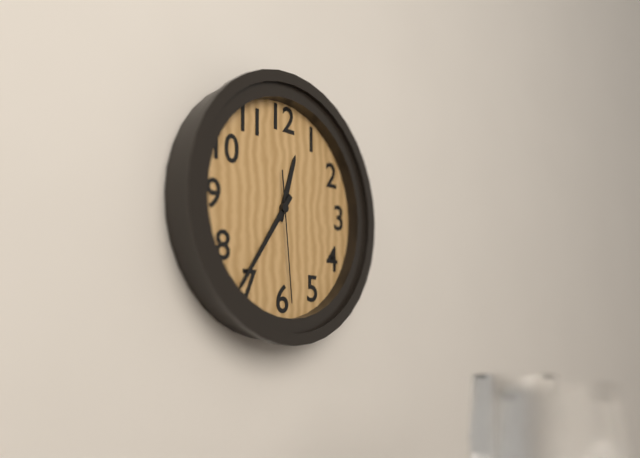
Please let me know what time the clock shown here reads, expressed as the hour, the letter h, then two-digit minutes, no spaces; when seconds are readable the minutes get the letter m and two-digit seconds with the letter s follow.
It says 12h36m29s
